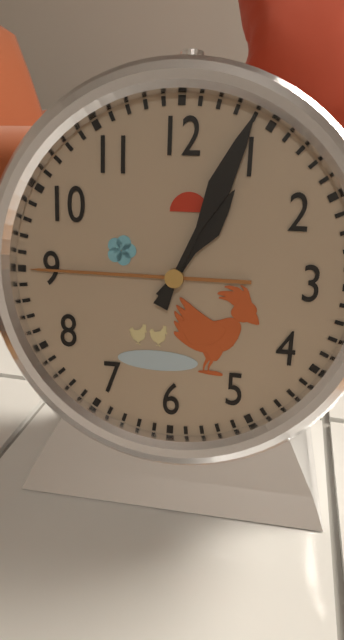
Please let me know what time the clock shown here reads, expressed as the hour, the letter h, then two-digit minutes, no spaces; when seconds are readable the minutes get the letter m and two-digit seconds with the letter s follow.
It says 1h04
